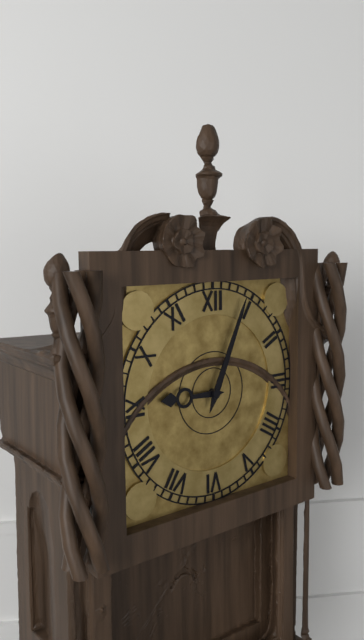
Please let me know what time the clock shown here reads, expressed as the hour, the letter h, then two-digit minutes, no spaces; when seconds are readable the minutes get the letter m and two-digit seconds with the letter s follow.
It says 9h04
